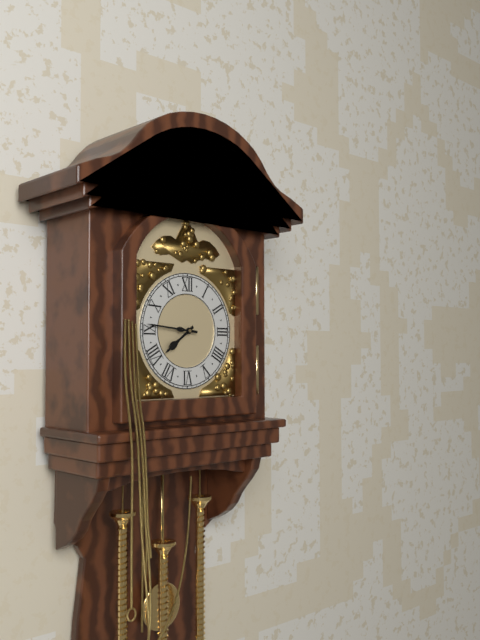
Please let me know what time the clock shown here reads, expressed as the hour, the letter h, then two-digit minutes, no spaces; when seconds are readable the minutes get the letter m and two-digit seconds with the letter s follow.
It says 7h46
